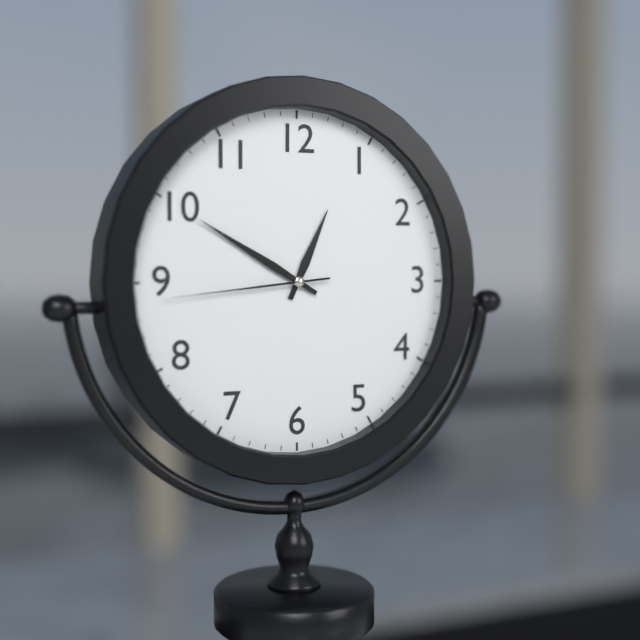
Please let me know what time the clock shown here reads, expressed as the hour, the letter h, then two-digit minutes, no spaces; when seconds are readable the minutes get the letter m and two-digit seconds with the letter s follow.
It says 12h50m44s
